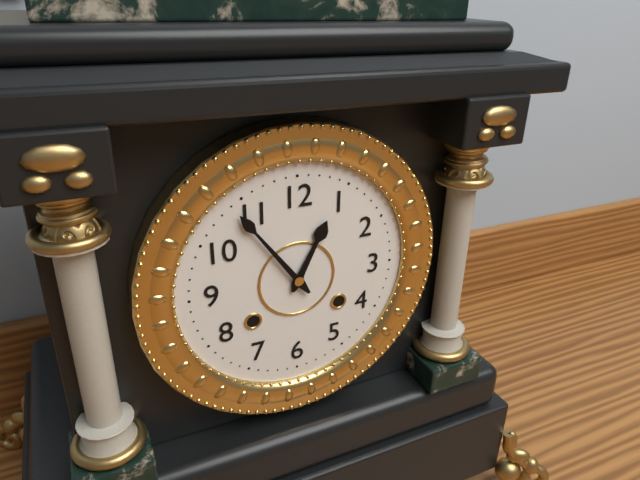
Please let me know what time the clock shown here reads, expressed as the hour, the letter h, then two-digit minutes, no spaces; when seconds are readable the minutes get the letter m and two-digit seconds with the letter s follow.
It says 12h54
